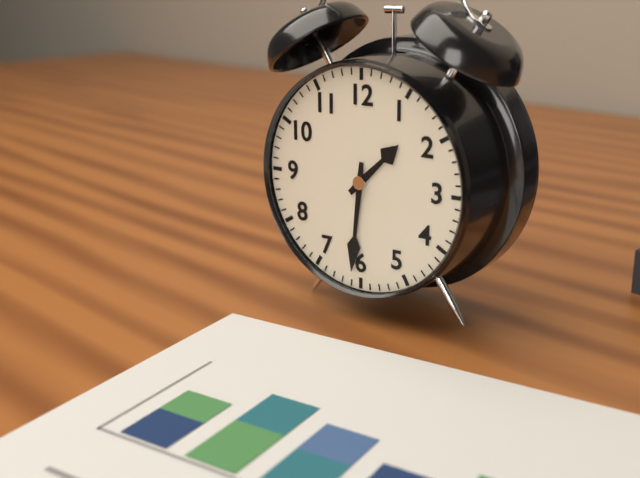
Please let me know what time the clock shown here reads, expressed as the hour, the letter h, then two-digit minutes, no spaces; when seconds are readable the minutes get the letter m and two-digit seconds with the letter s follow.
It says 1h31
